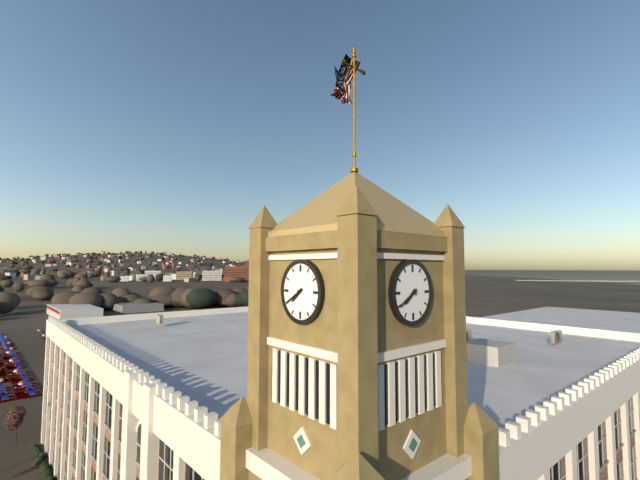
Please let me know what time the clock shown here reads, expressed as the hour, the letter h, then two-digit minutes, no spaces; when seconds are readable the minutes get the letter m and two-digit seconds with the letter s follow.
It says 7h40
